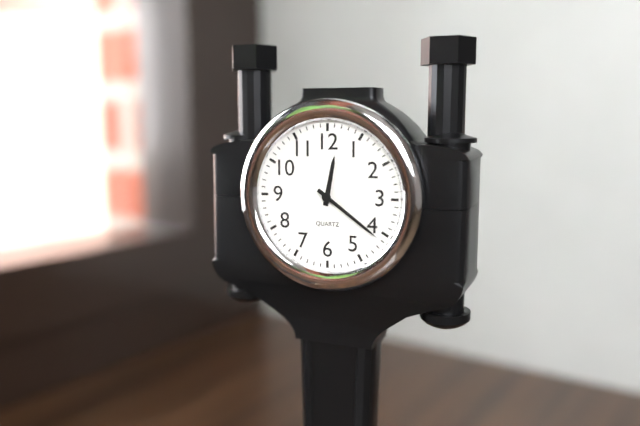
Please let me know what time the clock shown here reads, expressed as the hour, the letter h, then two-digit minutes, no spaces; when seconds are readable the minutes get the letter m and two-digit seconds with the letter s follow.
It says 12h21
